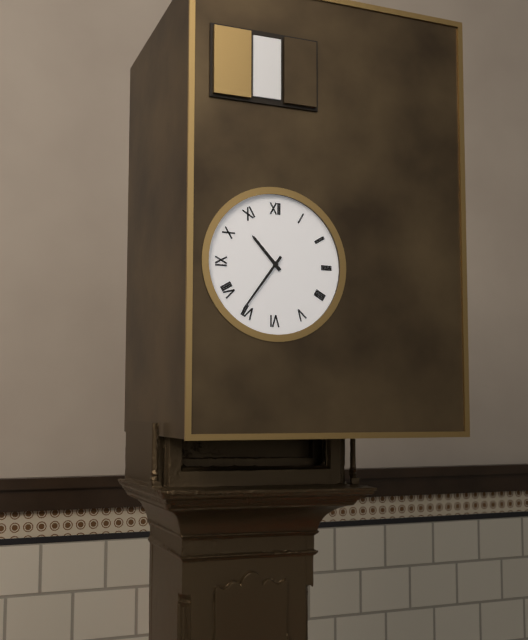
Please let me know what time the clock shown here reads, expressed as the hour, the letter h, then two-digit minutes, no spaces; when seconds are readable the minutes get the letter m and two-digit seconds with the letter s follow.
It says 10h36
